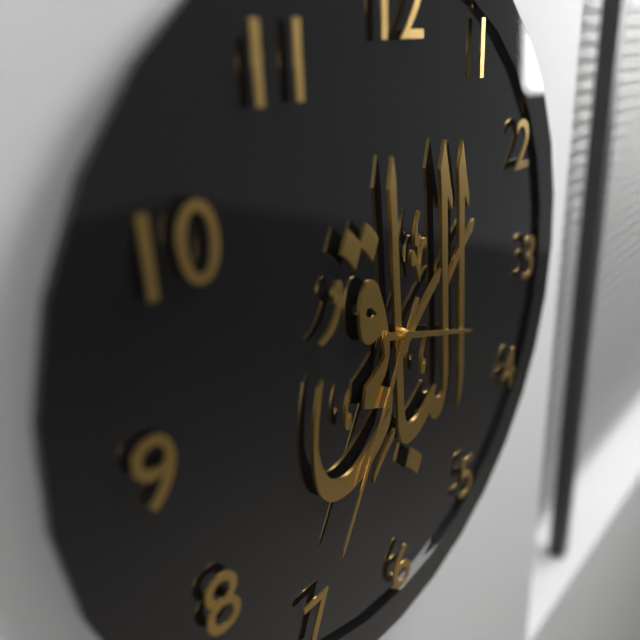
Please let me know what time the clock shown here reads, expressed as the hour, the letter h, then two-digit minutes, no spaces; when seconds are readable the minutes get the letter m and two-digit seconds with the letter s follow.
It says 3h35
